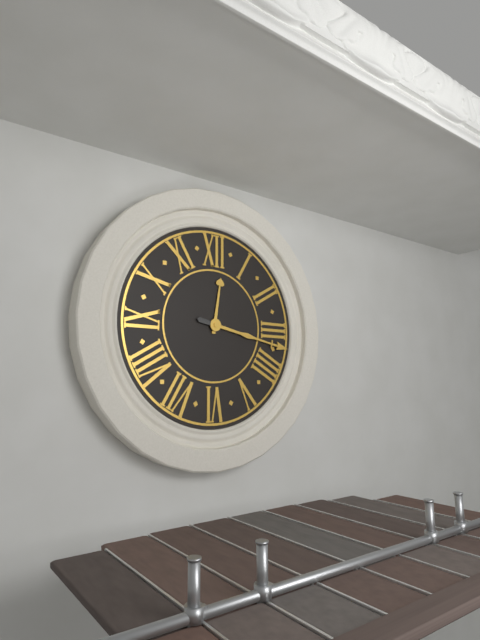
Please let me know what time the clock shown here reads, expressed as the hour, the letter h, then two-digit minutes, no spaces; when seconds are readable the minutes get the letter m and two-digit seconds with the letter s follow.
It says 12h17
